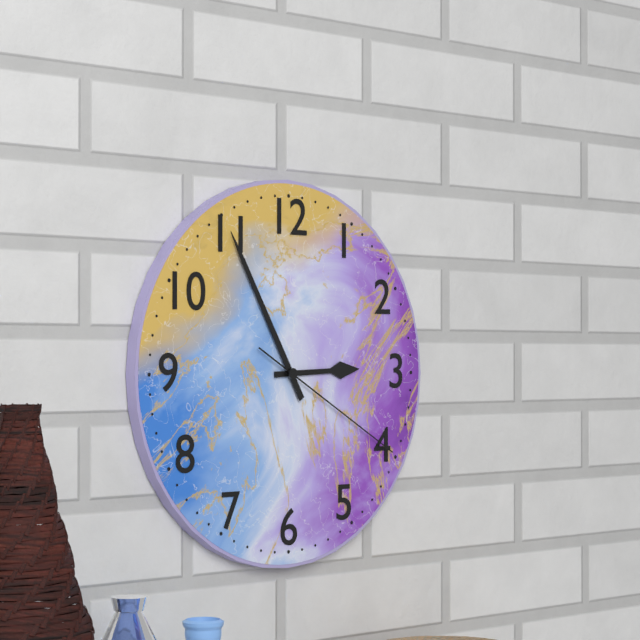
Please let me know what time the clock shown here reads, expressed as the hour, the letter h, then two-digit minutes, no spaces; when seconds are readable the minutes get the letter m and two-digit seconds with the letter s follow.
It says 2h55m20s
